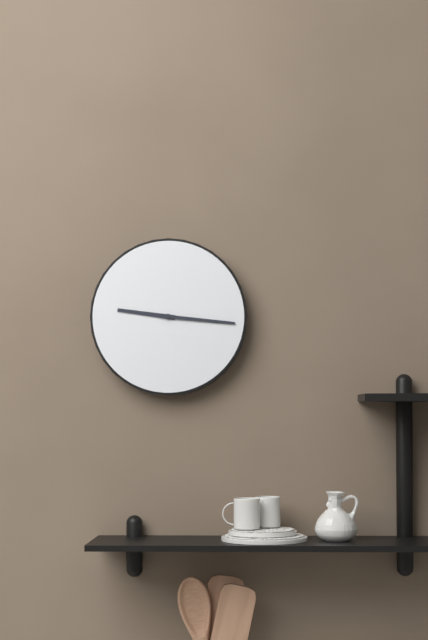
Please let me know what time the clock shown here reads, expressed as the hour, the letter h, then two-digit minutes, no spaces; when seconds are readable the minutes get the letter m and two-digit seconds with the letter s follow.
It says 9h16
